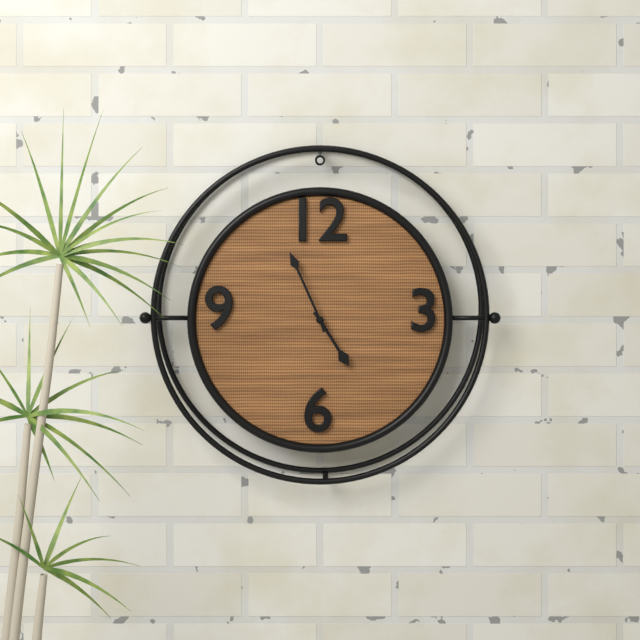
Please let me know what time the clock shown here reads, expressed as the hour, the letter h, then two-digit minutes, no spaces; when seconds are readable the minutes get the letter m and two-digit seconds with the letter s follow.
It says 4h56
